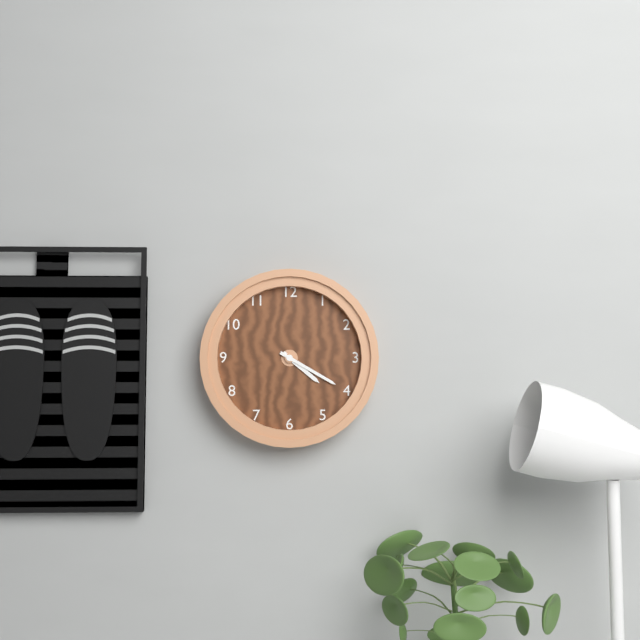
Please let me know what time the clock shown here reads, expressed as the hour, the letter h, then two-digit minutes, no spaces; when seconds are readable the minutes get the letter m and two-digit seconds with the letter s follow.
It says 4h20
